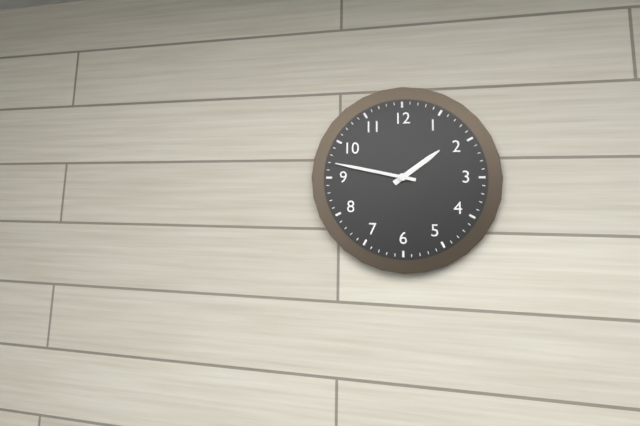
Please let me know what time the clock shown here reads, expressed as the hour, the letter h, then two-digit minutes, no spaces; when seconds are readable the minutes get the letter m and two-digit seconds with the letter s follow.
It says 1h47
